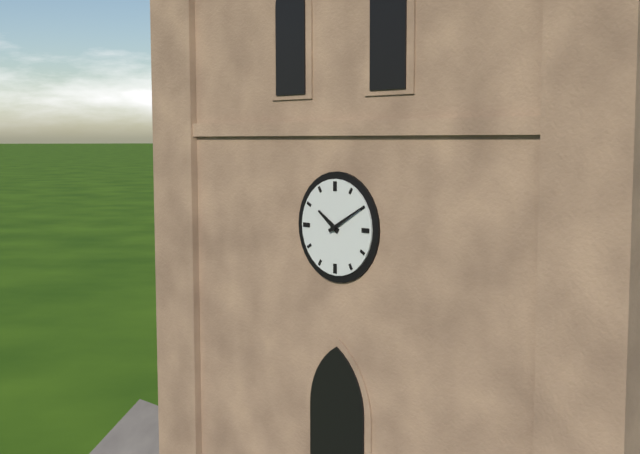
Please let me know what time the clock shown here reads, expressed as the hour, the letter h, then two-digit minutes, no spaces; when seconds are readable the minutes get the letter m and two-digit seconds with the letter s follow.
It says 10h10
